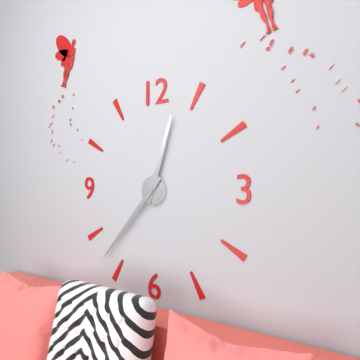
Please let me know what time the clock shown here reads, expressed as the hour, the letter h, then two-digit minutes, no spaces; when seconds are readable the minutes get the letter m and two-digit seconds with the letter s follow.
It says 12h37
